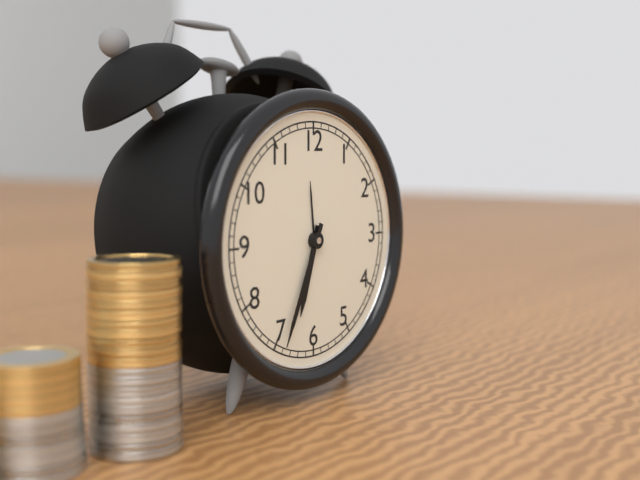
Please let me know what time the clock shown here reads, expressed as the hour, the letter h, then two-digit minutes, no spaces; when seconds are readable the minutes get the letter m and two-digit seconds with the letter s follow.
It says 6h34
